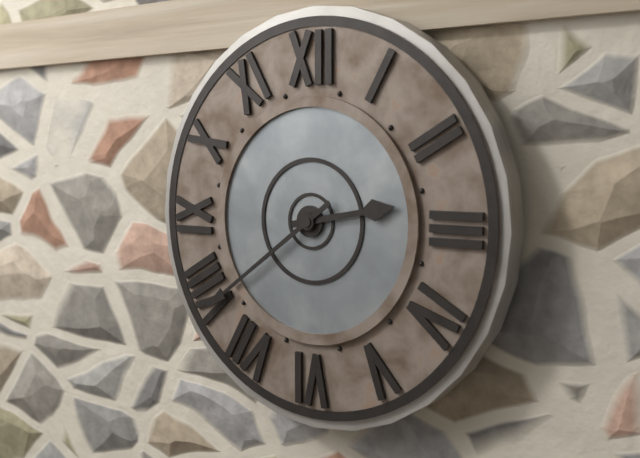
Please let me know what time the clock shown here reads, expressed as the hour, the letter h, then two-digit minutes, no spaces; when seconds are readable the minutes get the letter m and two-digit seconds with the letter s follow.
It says 2h39
